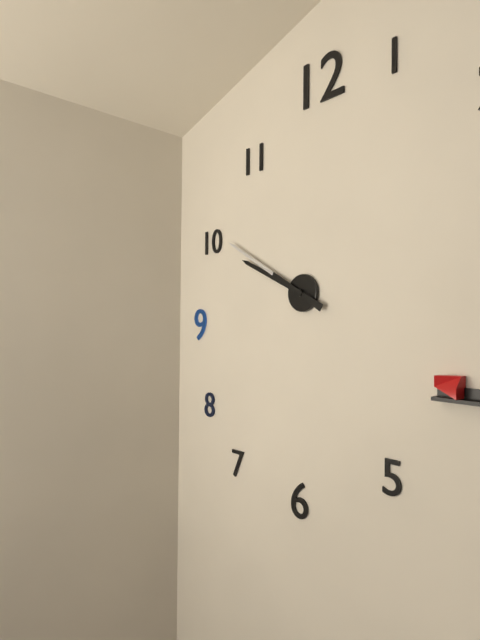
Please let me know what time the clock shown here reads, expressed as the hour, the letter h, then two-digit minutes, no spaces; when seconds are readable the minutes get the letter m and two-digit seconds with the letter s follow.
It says 9h50
